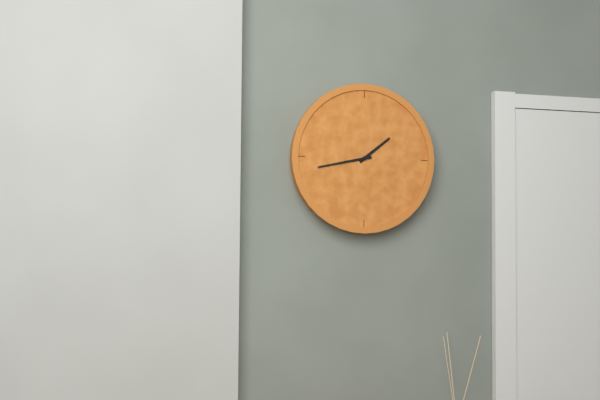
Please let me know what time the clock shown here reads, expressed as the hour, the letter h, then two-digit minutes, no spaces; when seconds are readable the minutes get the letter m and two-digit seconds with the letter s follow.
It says 1h43
